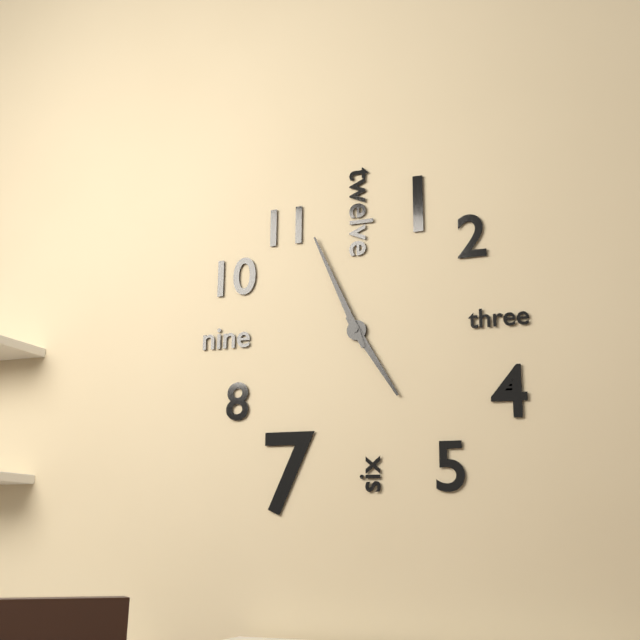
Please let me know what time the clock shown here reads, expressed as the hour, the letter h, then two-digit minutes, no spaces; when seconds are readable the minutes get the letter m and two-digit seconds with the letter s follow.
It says 4h56
